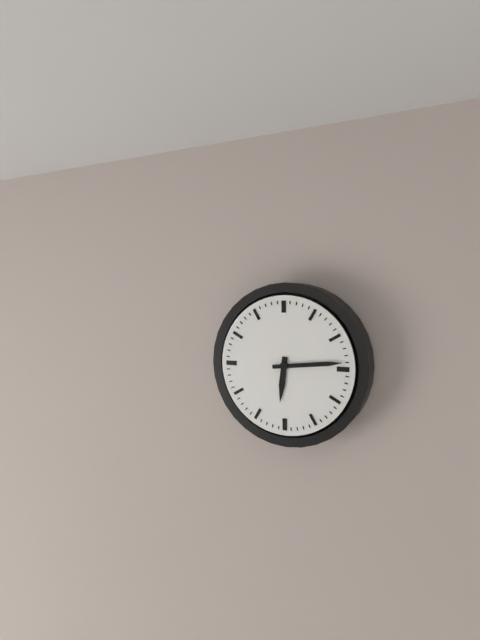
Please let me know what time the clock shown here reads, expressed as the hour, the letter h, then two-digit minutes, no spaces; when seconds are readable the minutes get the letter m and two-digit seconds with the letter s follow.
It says 6h14
